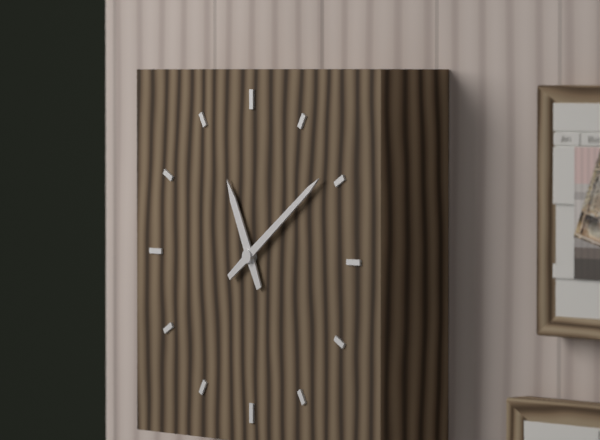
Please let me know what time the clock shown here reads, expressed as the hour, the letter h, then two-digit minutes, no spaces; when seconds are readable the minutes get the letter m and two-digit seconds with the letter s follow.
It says 11h09
